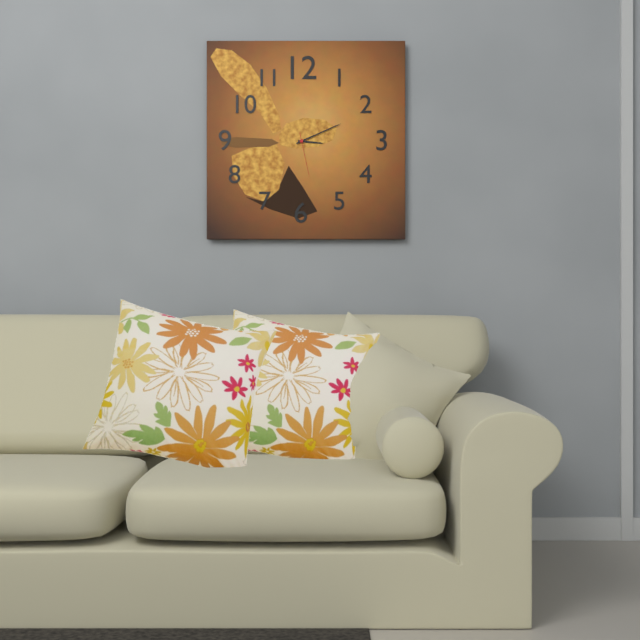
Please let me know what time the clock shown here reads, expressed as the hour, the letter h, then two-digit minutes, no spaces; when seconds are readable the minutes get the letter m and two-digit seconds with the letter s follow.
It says 3h11
